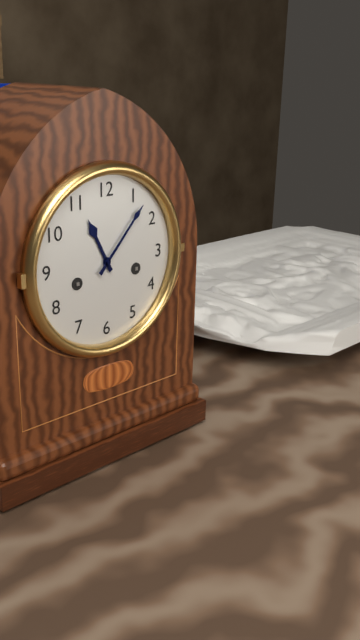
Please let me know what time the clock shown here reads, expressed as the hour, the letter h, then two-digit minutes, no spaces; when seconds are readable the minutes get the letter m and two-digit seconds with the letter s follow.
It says 11h07
